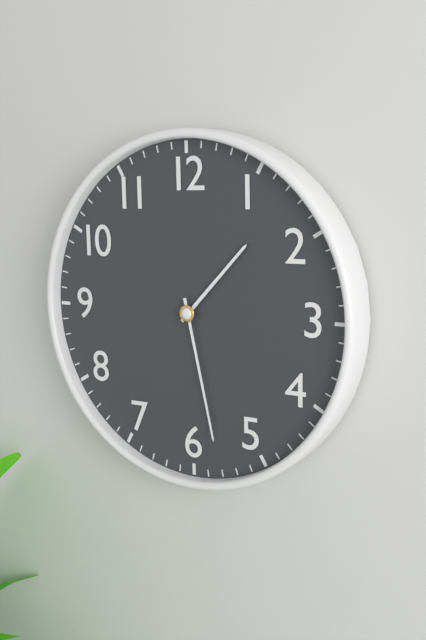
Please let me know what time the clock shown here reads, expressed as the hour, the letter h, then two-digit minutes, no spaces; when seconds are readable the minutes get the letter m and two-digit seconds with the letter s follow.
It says 1h28
